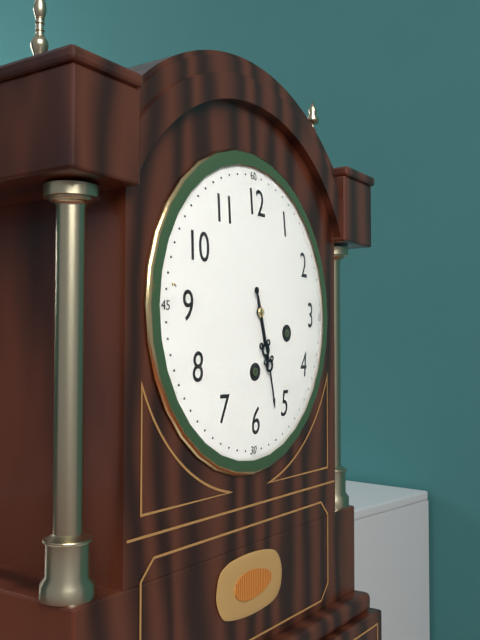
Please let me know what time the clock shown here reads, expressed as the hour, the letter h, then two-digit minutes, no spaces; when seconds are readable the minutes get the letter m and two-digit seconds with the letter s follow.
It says 5h27
